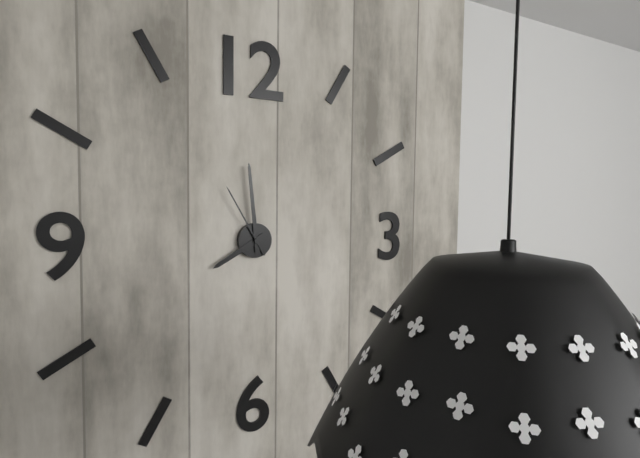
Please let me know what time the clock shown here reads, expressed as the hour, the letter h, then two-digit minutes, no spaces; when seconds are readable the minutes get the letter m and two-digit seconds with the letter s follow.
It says 7h59m55s
